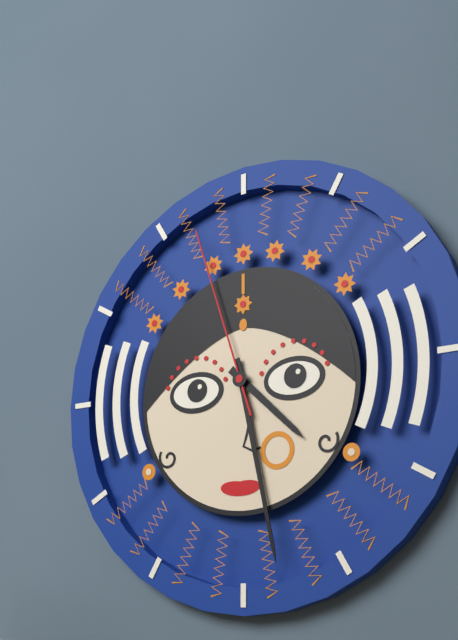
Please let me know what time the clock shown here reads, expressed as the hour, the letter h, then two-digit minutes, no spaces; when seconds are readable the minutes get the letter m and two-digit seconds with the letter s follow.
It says 4h28m57s
